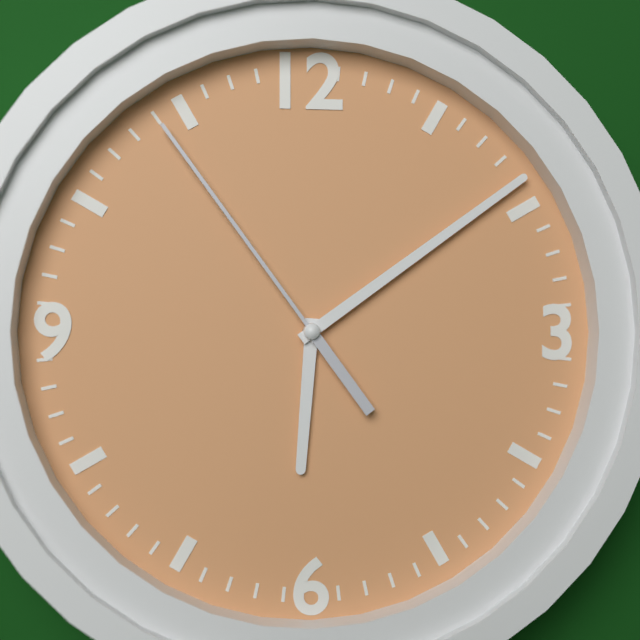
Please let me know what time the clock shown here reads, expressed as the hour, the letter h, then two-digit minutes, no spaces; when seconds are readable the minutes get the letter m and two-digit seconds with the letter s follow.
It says 6h09m54s
